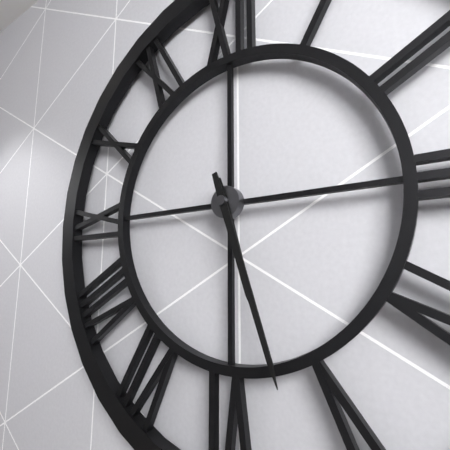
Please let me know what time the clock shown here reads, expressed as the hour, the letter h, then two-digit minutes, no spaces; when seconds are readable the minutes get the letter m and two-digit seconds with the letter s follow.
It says 5h27
